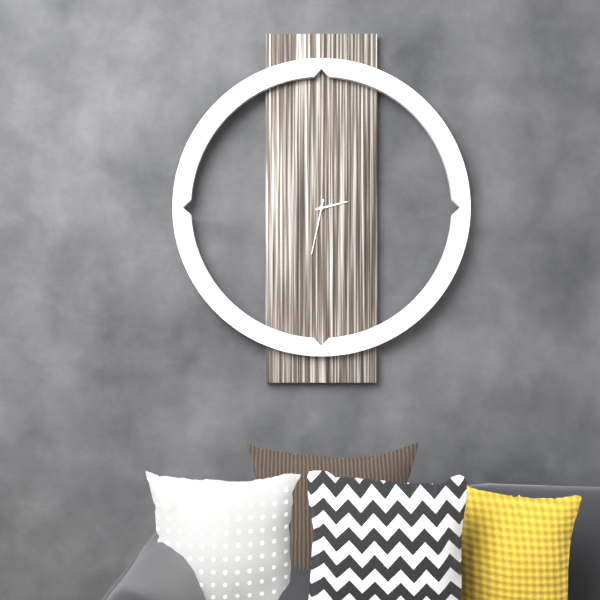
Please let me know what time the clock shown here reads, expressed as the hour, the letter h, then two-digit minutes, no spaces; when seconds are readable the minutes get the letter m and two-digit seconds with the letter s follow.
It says 2h32
